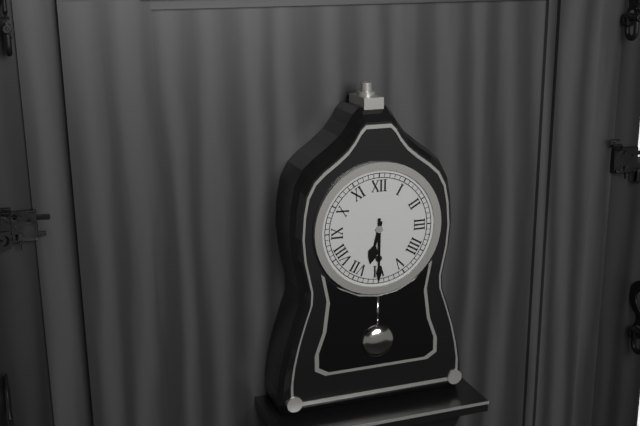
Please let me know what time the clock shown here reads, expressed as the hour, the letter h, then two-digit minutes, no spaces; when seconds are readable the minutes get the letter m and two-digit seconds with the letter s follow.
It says 6h30
